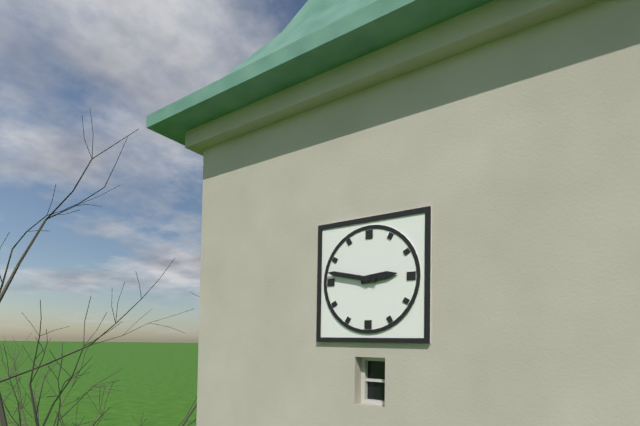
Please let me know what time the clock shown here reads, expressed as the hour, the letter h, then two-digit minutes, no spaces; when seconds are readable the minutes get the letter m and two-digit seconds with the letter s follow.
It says 2h47
